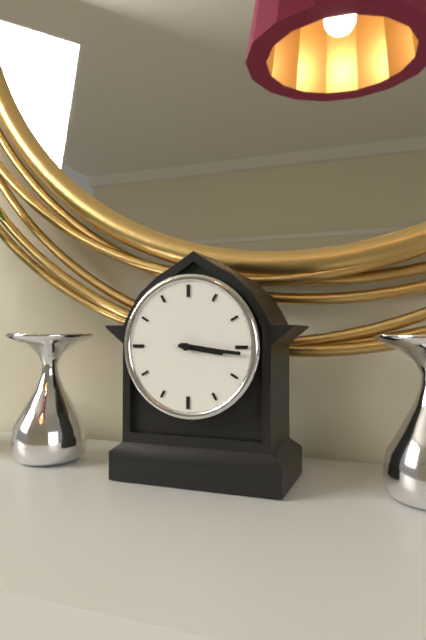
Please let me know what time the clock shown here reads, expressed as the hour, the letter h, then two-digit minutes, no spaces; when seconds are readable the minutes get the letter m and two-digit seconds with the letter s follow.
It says 3h16
